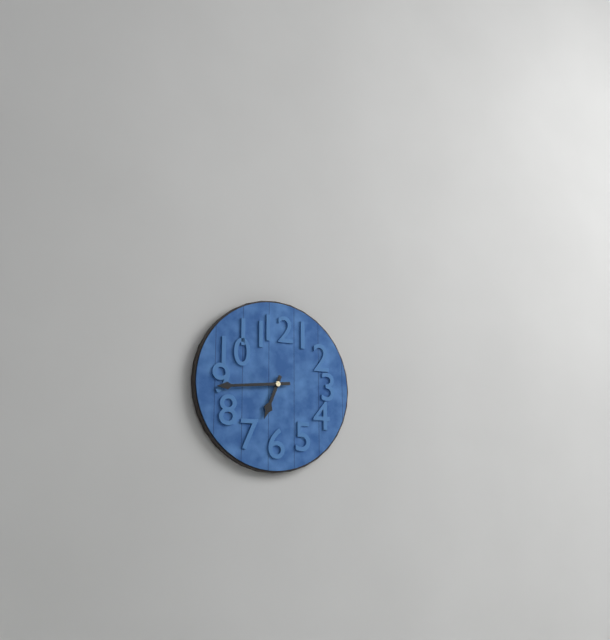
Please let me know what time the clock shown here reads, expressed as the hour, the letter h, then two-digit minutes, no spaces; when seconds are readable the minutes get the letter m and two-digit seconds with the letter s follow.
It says 6h44
